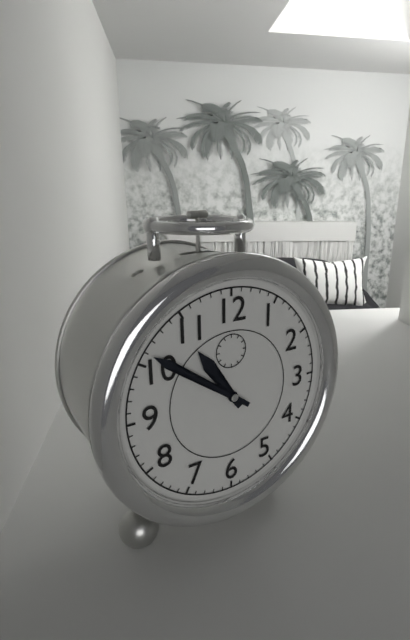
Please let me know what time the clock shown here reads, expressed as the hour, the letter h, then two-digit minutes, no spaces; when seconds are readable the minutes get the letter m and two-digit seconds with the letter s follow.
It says 10h51
